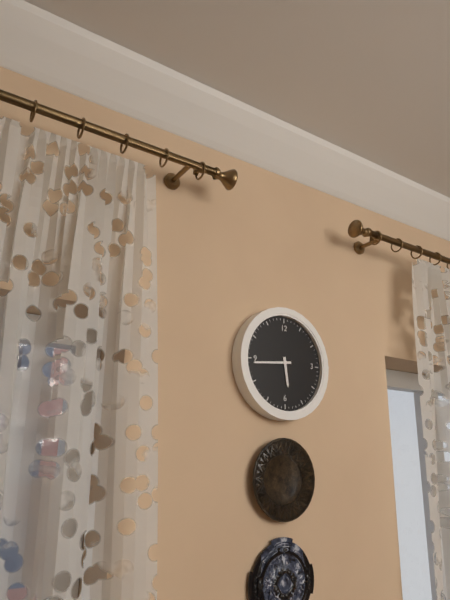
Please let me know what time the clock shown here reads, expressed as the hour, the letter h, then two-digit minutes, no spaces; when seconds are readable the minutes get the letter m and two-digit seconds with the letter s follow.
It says 5h44
